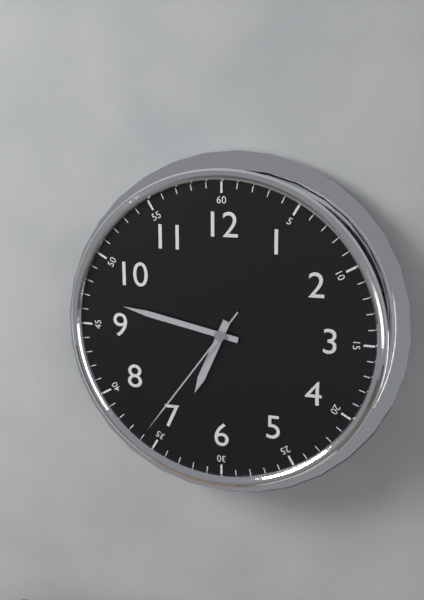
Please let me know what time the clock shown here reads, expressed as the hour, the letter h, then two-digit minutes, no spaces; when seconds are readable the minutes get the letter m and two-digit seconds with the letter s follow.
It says 6h47m36s
